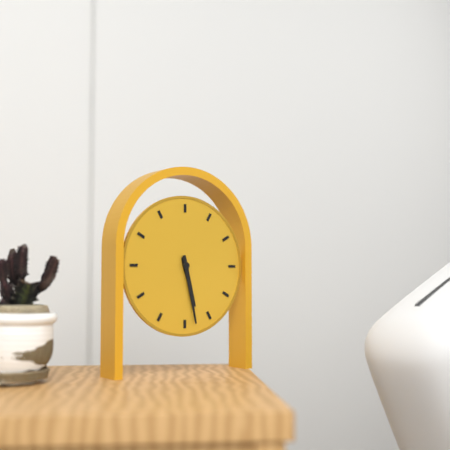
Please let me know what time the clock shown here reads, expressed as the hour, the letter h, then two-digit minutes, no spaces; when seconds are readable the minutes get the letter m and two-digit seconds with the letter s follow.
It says 5h28
